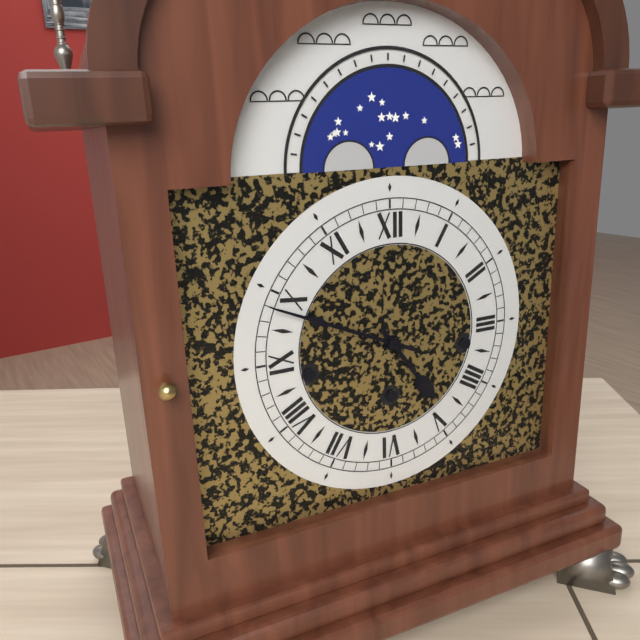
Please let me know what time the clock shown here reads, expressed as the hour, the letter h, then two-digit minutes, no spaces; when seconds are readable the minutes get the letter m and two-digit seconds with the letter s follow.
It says 4h49
